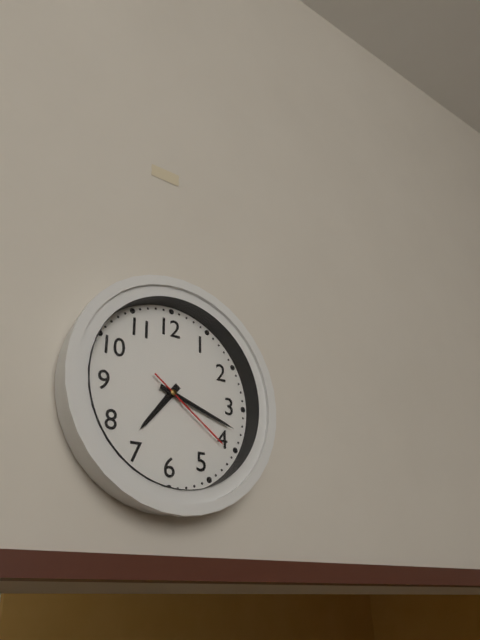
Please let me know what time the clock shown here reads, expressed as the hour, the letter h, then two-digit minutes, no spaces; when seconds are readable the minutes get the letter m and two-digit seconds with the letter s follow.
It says 7h18m21s
